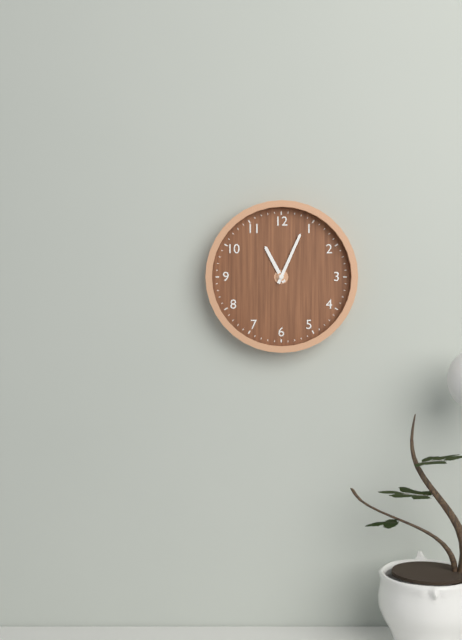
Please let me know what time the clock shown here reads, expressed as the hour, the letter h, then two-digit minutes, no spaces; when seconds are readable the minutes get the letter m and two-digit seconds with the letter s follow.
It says 11h04
